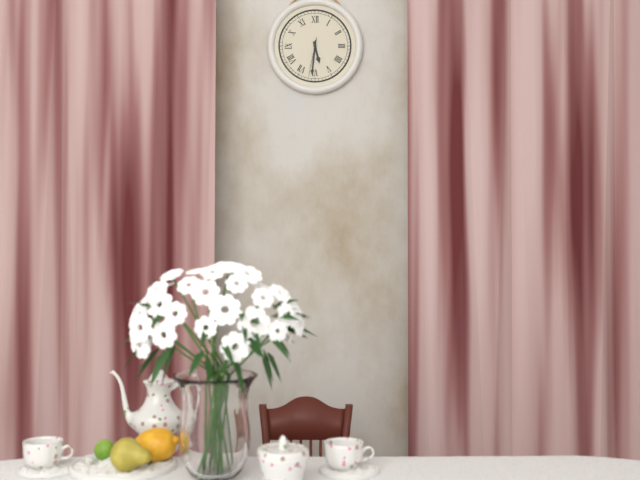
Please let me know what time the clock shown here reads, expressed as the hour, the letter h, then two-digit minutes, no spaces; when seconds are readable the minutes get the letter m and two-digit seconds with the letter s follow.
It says 5h31
